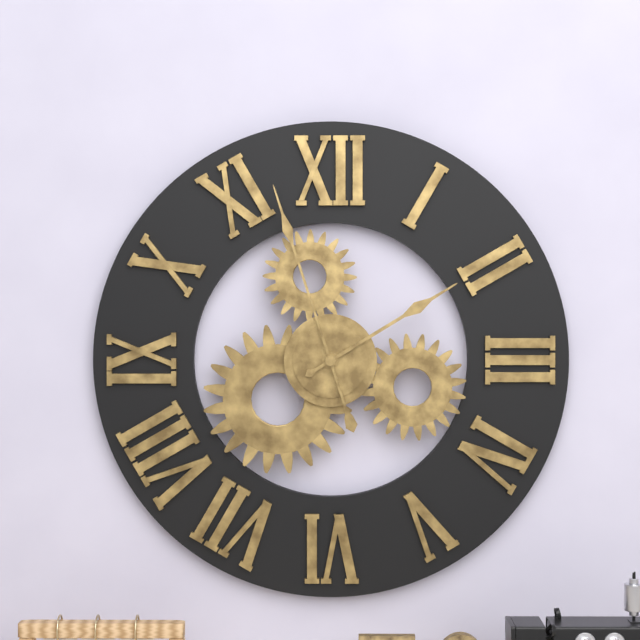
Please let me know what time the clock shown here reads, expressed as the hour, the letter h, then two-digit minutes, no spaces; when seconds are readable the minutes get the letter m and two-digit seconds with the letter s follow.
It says 1h57
